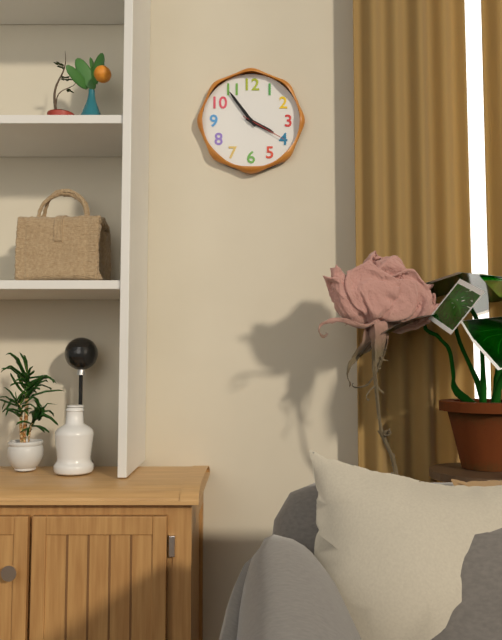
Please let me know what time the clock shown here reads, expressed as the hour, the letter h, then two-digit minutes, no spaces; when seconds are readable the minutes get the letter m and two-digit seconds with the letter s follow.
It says 3h54m20s
